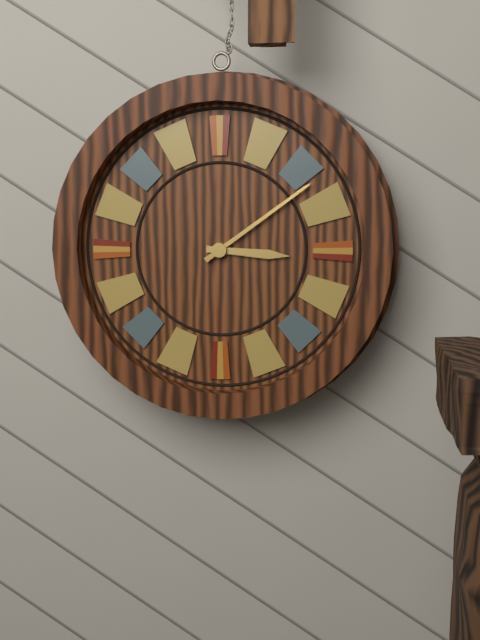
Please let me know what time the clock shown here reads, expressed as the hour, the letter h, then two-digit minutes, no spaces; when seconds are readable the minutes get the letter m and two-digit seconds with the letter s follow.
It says 3h09
